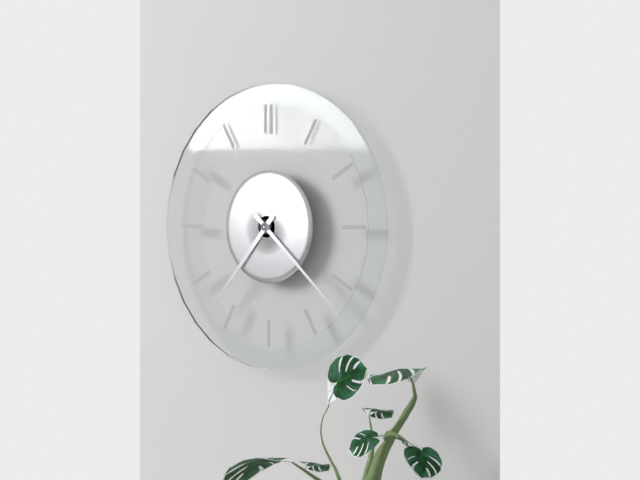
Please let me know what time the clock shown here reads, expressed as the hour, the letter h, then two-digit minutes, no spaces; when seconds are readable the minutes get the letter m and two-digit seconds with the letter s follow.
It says 7h22
